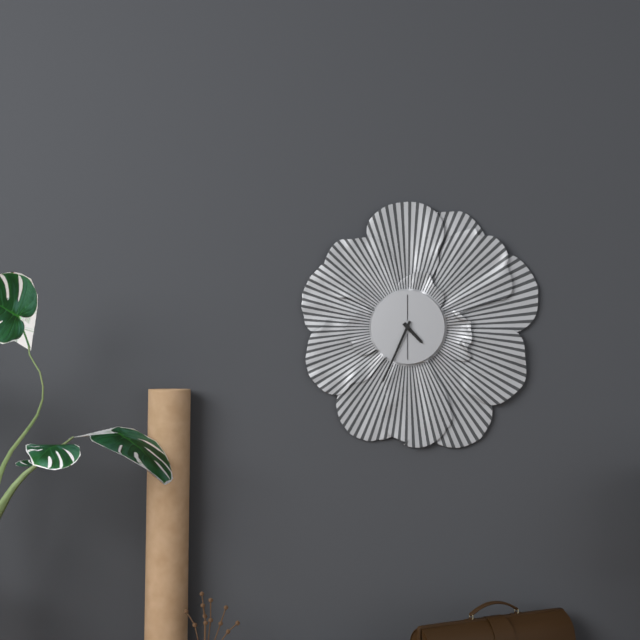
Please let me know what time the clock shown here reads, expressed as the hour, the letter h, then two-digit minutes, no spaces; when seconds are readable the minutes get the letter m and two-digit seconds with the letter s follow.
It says 4h34
